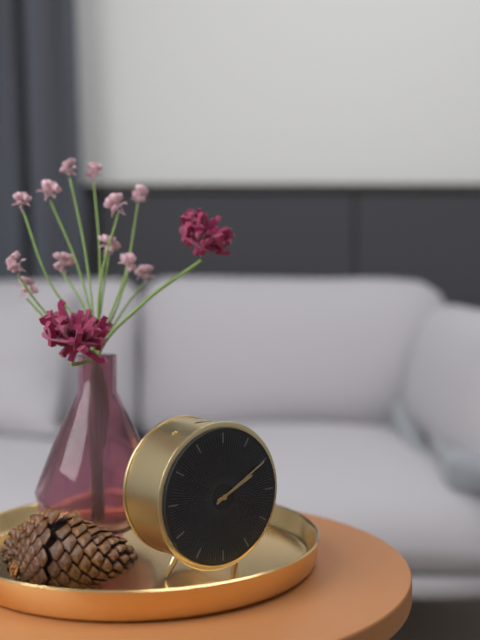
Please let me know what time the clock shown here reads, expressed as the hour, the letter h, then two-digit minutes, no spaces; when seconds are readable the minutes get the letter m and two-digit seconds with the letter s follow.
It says 2h10
